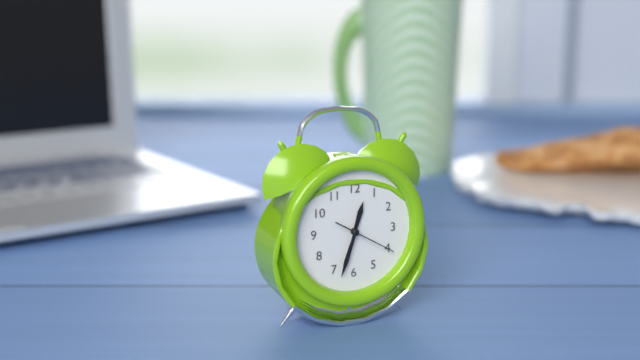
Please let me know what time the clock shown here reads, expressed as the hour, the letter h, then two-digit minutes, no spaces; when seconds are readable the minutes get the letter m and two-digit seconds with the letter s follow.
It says 12h33m20s
